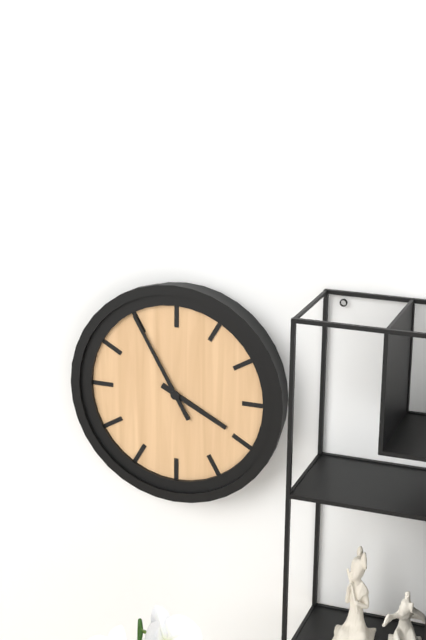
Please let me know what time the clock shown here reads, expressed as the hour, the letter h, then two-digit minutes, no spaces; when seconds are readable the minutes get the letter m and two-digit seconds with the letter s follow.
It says 3h55
